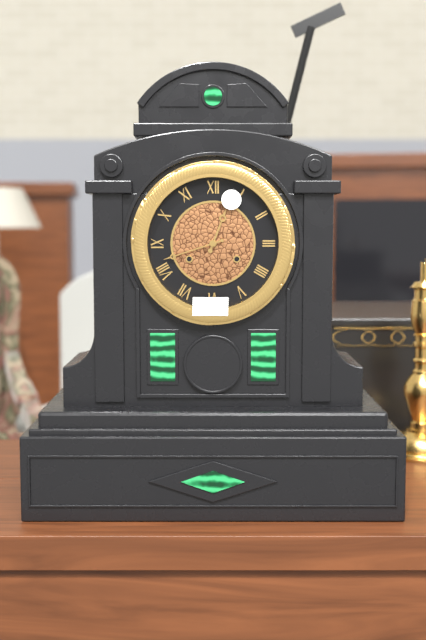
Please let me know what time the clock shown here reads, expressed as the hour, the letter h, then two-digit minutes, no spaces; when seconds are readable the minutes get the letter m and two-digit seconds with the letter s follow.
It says 12h42
